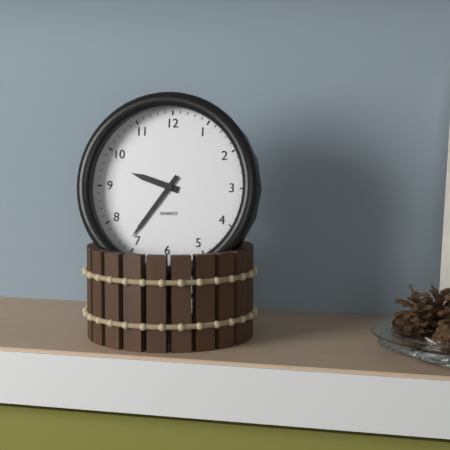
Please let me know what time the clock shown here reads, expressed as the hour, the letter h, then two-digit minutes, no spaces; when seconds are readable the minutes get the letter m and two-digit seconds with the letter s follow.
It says 9h36
